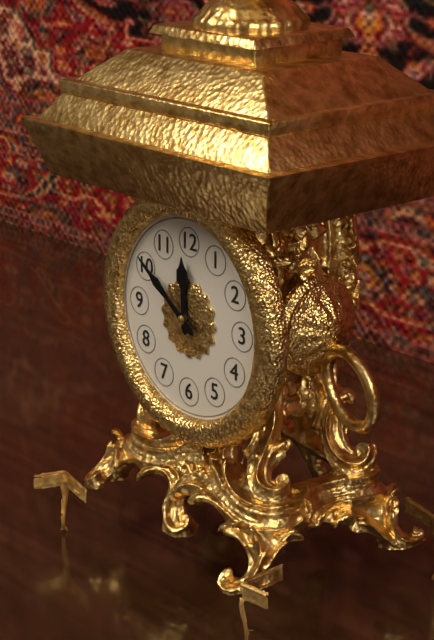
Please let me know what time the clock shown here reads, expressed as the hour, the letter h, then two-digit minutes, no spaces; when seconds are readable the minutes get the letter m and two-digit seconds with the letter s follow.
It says 11h51
